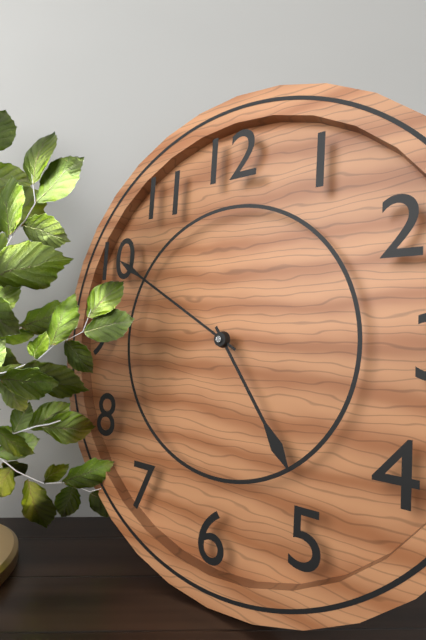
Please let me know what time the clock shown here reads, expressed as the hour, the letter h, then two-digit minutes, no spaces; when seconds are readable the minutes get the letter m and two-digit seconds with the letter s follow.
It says 4h50
